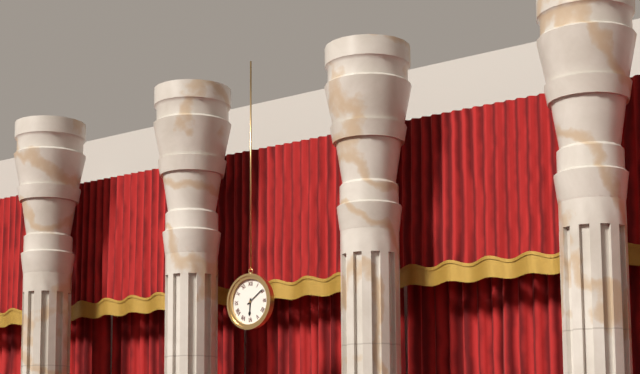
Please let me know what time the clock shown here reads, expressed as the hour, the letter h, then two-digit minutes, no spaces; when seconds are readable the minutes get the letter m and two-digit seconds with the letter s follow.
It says 6h09
